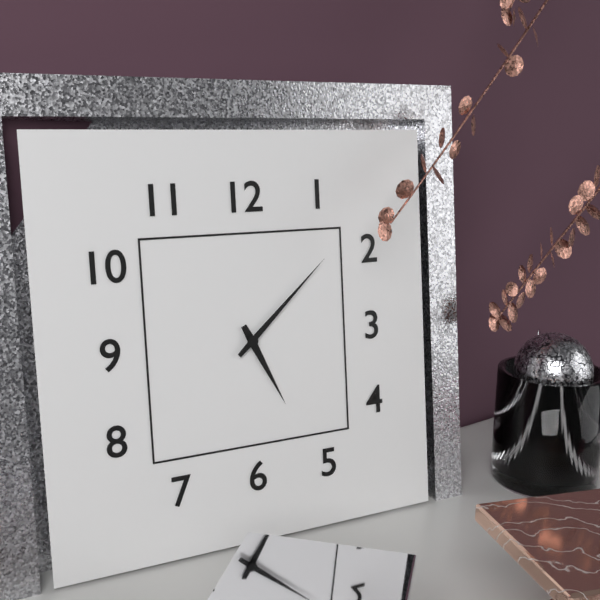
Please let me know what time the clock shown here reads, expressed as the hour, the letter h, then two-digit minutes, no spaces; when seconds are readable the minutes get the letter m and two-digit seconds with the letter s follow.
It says 5h08
